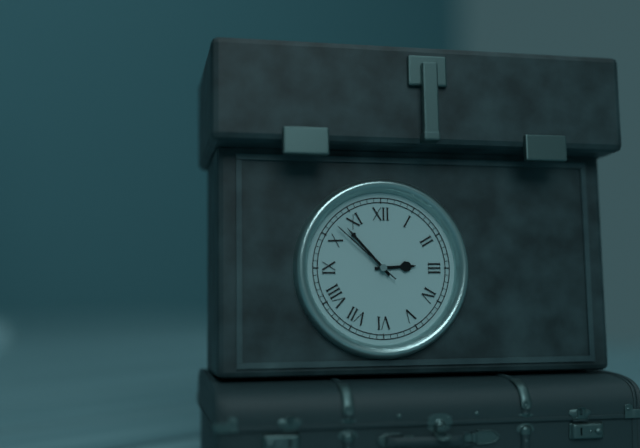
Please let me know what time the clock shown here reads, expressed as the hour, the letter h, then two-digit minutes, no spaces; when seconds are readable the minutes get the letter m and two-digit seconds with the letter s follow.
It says 2h53m52s
